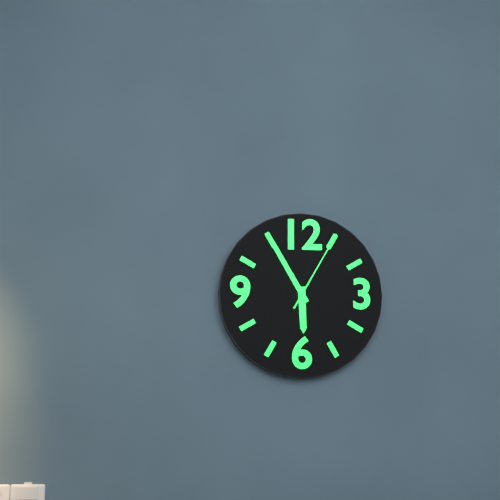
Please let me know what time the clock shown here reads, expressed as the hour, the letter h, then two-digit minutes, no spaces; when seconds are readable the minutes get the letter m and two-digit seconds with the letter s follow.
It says 5h55m05s
